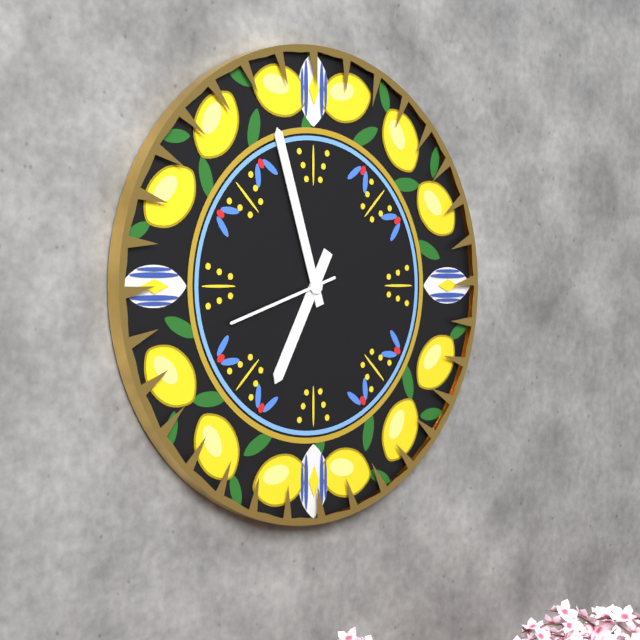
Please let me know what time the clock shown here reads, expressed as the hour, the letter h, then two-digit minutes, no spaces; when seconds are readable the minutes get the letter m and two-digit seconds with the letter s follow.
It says 6h57m42s
